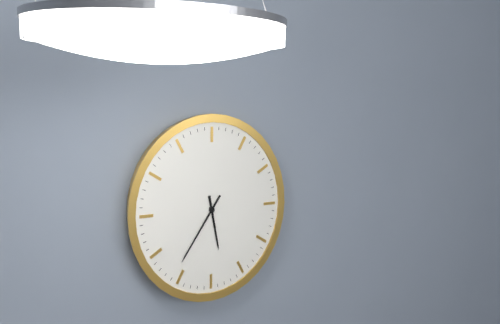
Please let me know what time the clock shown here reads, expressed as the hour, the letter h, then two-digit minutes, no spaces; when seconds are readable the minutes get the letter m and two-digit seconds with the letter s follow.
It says 5h36
